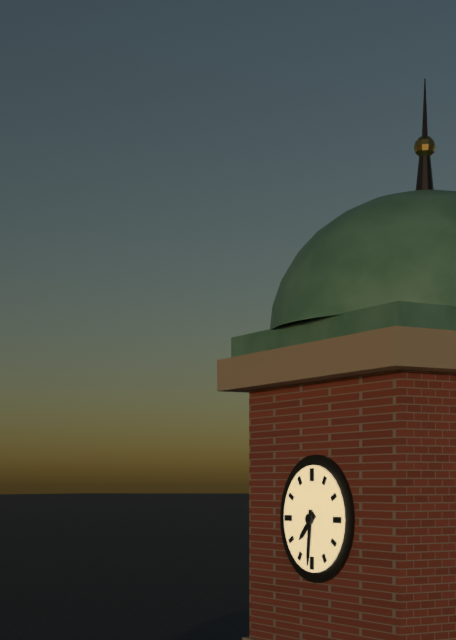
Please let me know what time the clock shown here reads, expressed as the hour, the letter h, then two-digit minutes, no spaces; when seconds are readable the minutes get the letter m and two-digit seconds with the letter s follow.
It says 7h31
